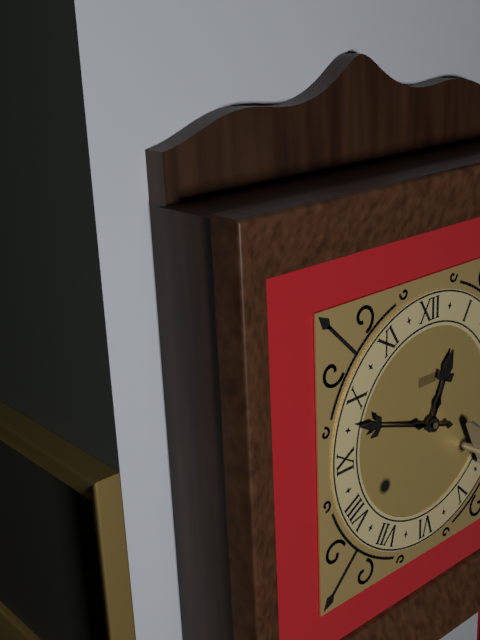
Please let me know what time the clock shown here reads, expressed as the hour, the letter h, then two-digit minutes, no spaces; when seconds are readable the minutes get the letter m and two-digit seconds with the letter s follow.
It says 12h48
